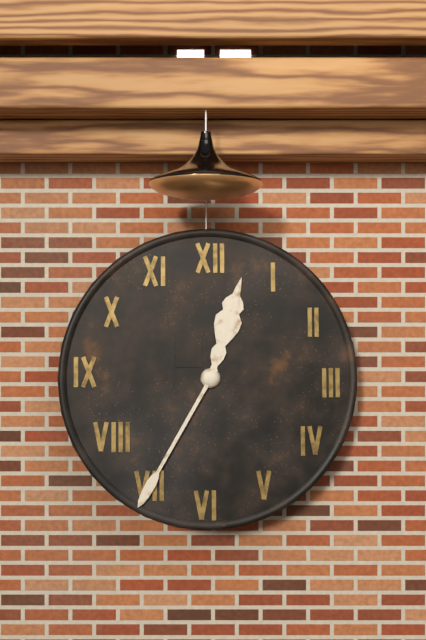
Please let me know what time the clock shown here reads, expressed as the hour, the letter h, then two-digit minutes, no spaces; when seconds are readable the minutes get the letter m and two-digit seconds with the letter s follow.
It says 12h35
